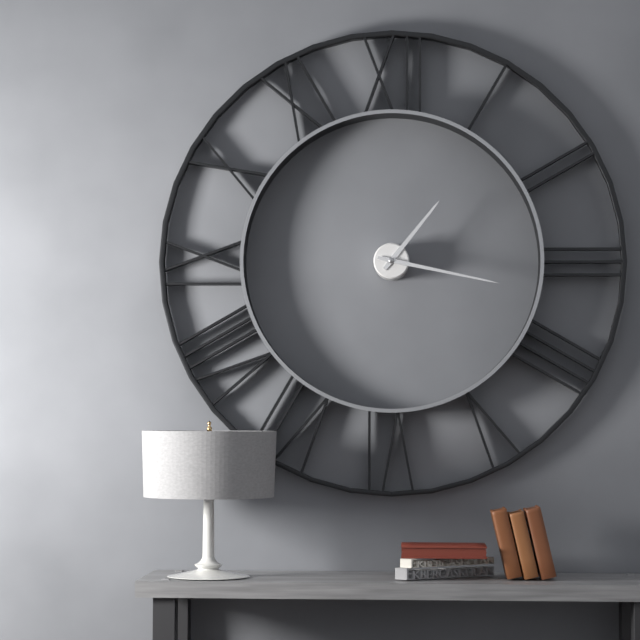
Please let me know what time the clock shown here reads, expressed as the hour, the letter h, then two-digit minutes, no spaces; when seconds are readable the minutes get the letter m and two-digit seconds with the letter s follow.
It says 1h17
